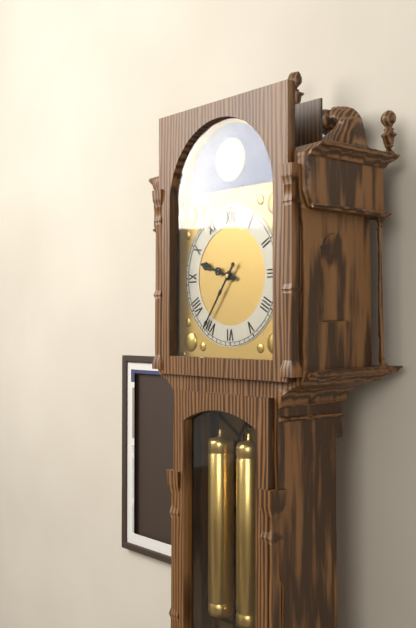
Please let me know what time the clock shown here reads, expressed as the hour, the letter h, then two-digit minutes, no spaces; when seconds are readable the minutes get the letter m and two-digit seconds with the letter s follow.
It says 9h36
